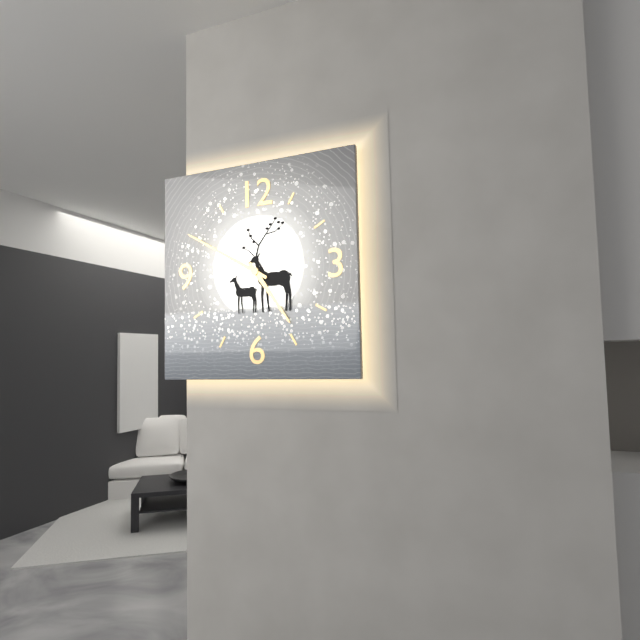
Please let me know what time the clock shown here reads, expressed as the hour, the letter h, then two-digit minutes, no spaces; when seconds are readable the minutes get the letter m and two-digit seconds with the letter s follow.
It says 4h50
